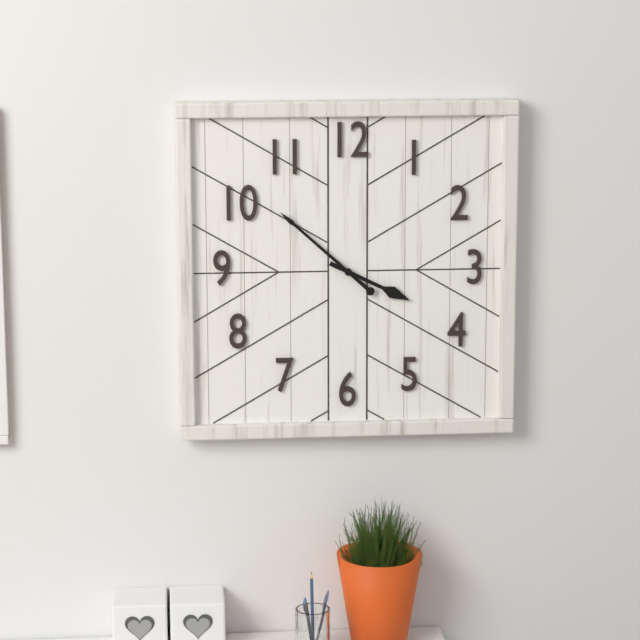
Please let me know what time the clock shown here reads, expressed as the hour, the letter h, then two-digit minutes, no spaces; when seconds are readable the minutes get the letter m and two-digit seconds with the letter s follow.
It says 3h52
